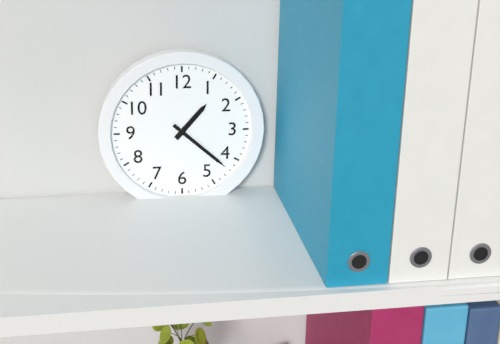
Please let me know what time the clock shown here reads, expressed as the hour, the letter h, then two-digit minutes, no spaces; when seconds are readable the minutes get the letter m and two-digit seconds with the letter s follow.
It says 1h22
